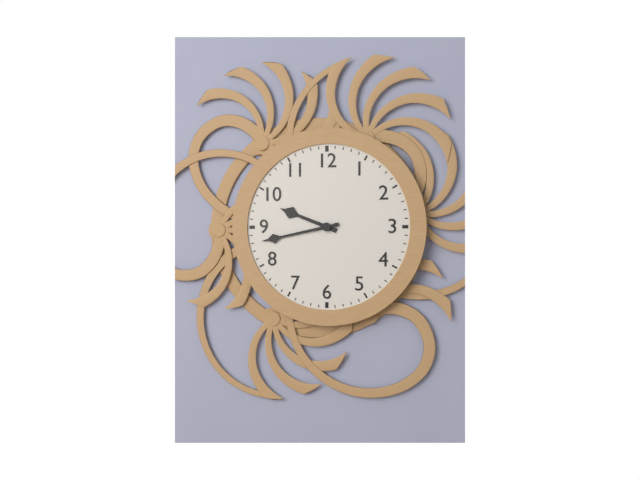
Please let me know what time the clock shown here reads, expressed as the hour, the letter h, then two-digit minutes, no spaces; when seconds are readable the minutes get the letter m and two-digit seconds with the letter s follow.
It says 9h43
